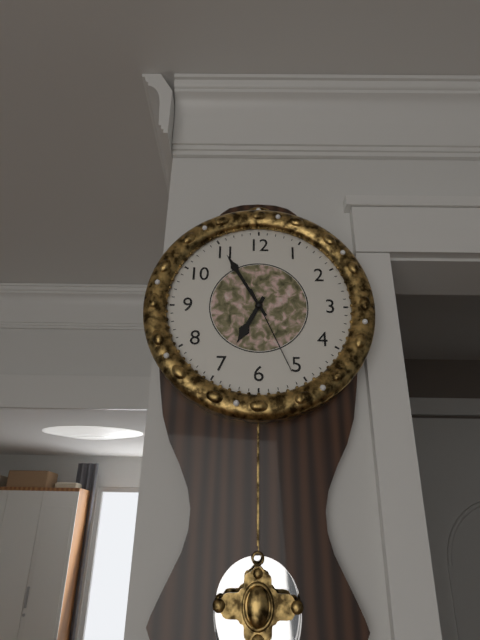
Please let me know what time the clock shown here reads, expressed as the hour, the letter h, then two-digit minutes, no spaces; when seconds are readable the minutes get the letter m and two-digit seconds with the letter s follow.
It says 6h55m26s
